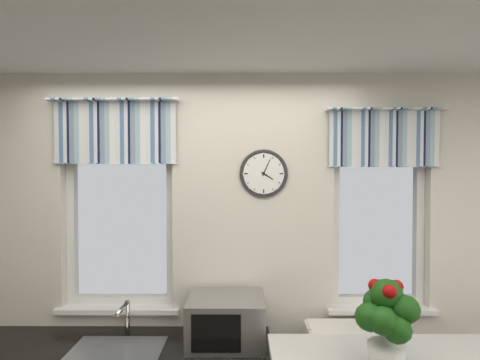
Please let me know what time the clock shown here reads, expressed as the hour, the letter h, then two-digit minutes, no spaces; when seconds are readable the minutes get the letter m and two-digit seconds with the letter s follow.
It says 4h04
